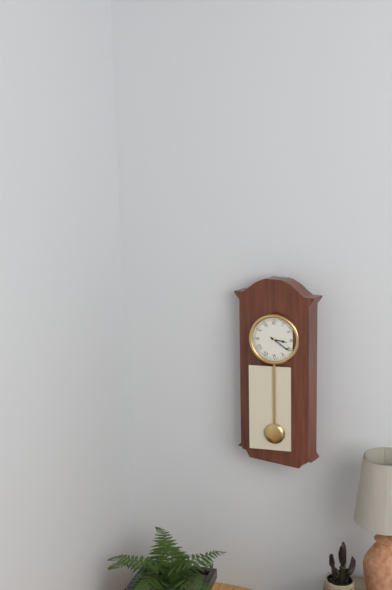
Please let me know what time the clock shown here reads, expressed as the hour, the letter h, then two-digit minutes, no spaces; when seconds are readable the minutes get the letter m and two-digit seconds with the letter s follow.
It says 3h21
